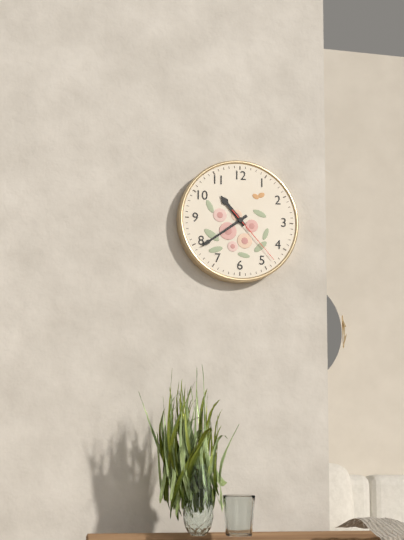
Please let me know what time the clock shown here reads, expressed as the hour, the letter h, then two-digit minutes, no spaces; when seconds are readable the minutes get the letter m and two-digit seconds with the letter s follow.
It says 10h39m23s
